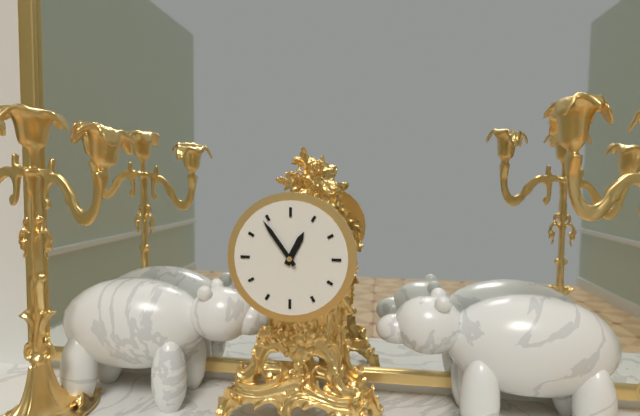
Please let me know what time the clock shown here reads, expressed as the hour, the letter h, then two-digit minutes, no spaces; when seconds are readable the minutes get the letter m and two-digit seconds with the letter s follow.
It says 12h54
